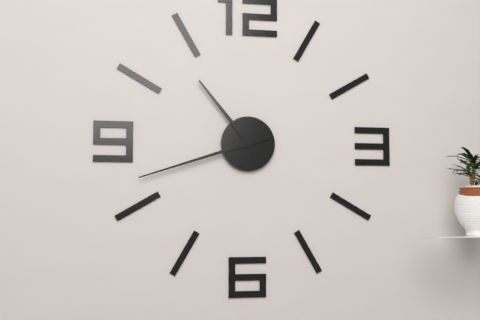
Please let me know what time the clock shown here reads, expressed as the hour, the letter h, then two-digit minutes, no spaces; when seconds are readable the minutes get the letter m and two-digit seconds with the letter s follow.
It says 10h42
